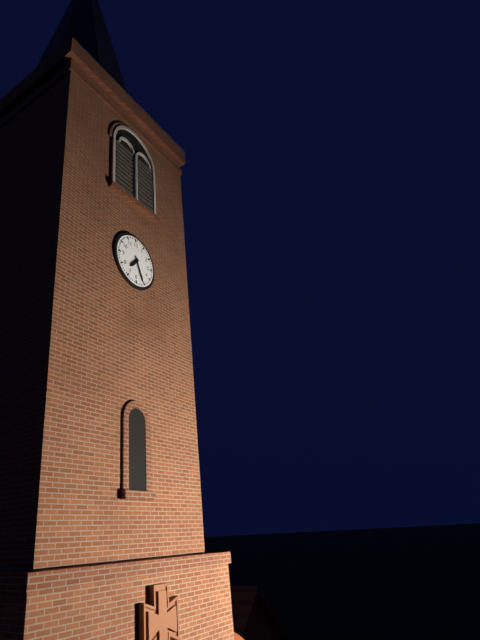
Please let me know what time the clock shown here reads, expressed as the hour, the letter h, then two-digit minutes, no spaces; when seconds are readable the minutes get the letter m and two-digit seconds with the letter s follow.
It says 7h26
